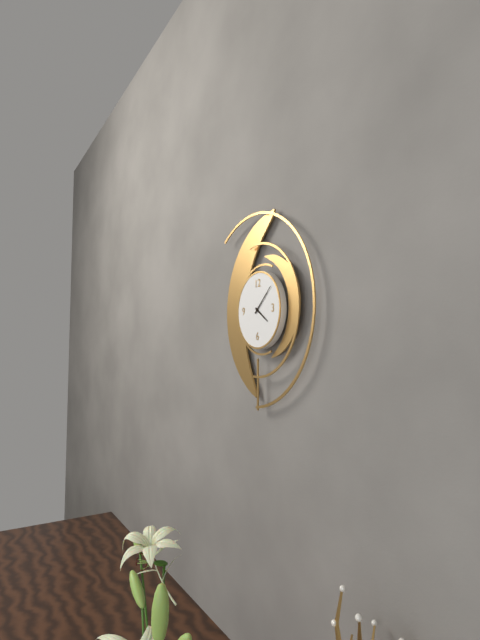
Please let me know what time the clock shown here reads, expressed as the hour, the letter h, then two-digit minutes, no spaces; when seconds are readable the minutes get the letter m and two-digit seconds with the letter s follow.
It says 4h08
